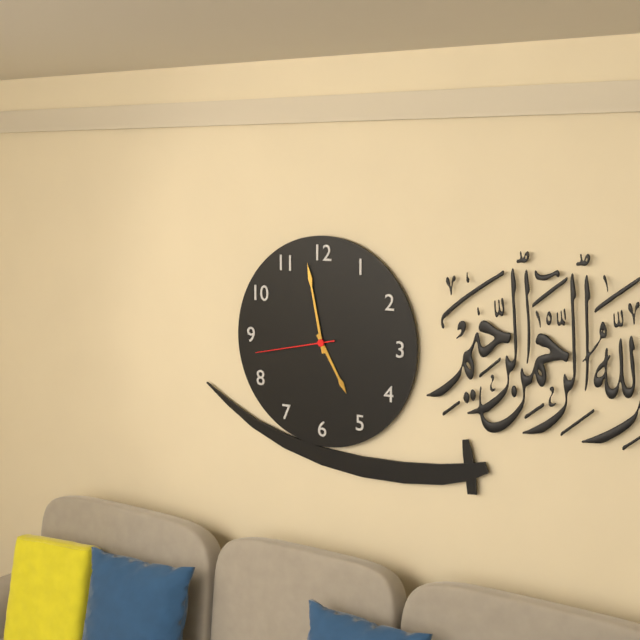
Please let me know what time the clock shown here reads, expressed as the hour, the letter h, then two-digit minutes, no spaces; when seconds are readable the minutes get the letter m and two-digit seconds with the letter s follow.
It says 4h58m43s
